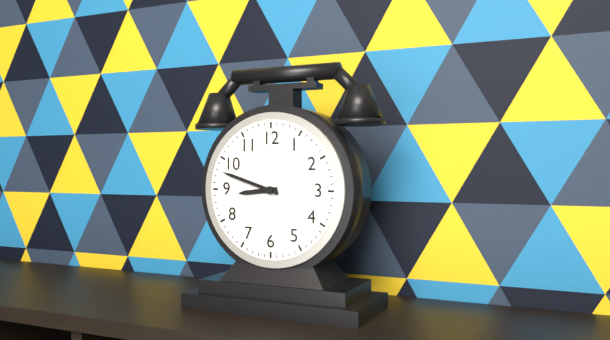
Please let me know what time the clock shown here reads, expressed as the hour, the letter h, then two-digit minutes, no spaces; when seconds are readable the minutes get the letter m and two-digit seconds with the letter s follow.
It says 8h48
